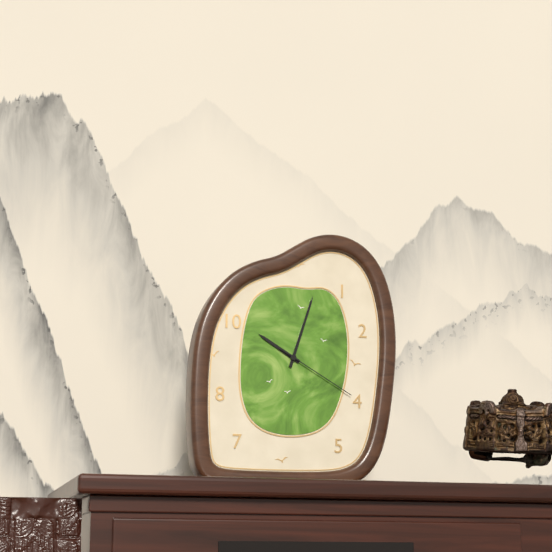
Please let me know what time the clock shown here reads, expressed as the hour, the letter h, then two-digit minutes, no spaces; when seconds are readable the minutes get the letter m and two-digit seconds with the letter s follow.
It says 10h03m20s
